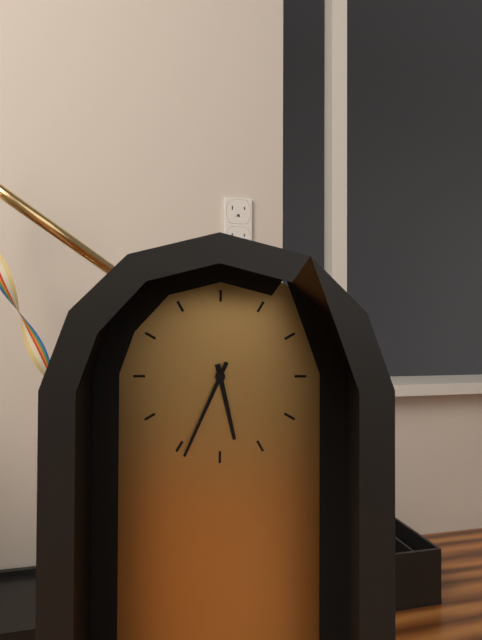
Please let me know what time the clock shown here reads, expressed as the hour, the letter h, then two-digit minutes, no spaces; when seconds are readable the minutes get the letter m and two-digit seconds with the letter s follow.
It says 5h34
